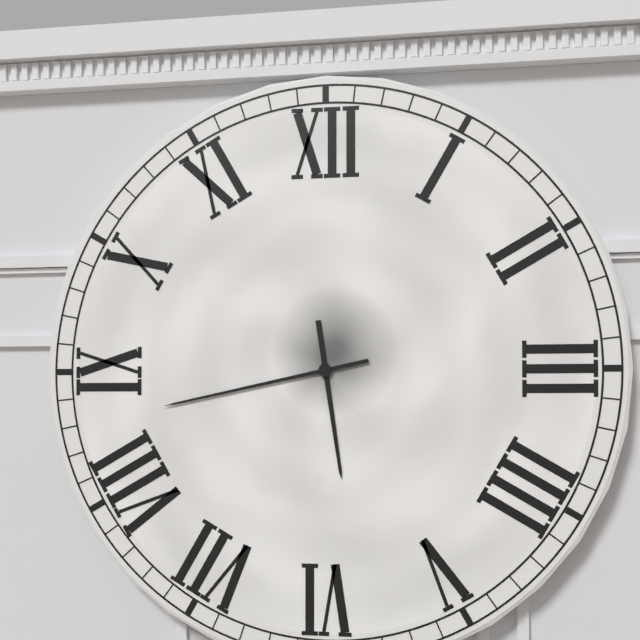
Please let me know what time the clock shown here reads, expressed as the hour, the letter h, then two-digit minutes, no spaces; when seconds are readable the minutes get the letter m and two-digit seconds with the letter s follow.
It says 5h43
